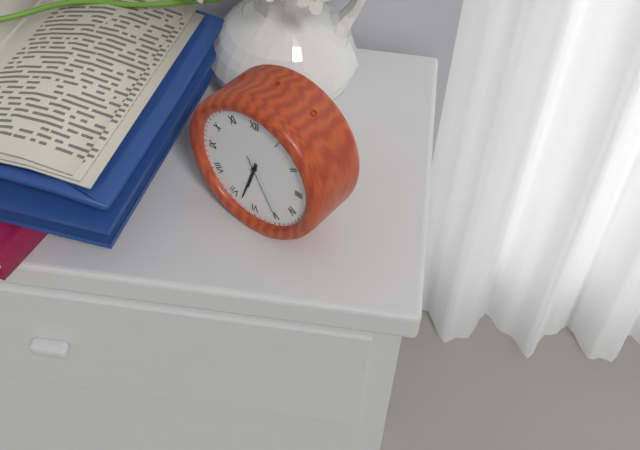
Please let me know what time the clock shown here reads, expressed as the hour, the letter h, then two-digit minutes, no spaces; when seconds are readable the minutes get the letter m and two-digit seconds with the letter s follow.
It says 6h33m25s
